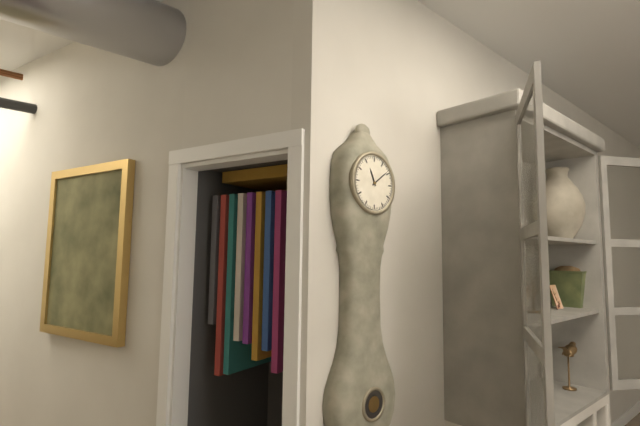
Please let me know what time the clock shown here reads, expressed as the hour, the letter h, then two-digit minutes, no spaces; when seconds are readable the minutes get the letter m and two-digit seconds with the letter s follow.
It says 11h09
